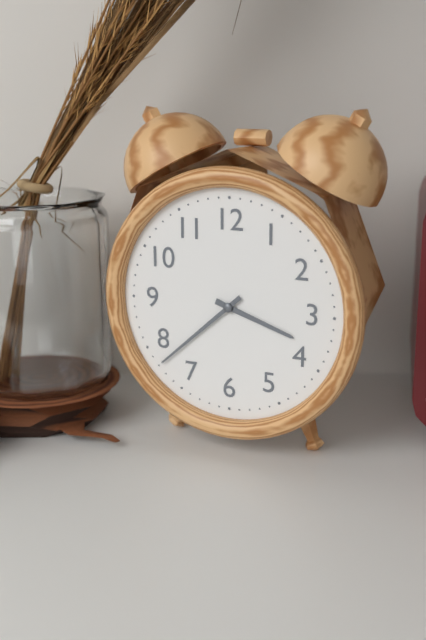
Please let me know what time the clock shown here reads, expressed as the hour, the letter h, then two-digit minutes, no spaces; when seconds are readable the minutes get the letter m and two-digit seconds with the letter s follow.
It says 3h38
